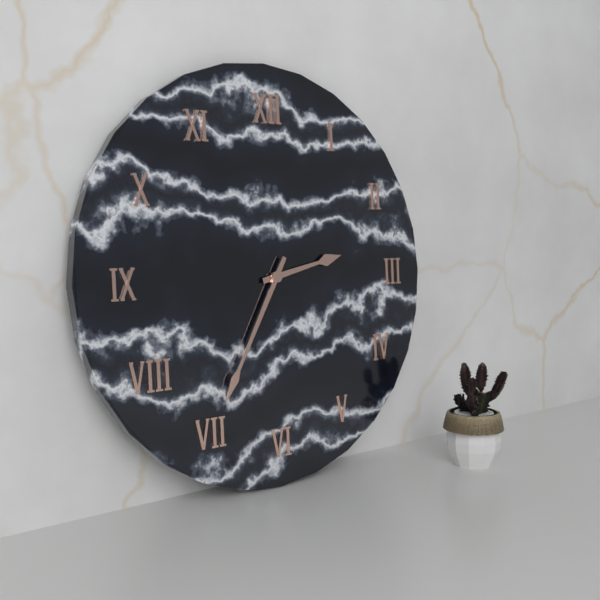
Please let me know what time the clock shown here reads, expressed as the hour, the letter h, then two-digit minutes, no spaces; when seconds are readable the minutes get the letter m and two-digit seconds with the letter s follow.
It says 2h35
